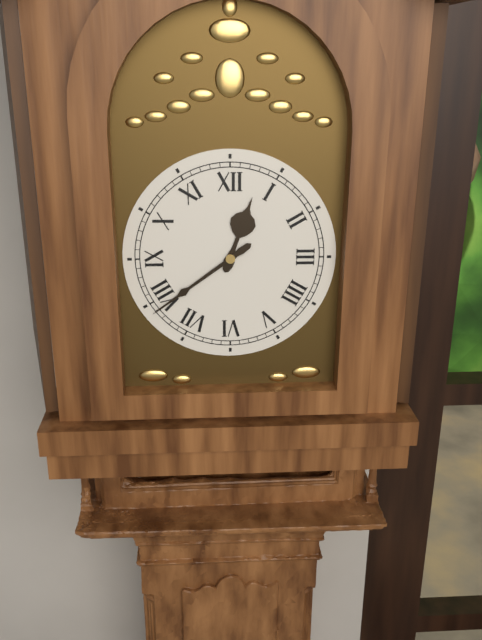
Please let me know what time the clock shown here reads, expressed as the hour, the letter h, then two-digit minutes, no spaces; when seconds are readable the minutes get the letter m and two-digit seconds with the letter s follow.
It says 12h39
